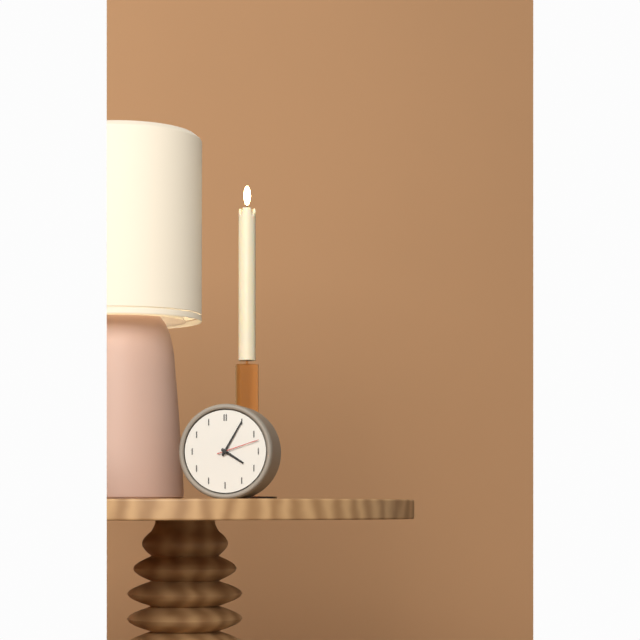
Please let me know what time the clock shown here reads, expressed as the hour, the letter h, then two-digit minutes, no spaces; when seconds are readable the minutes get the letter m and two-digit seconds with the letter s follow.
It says 4h05
